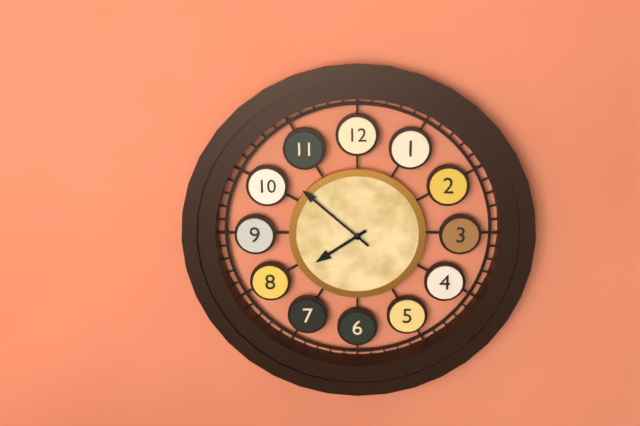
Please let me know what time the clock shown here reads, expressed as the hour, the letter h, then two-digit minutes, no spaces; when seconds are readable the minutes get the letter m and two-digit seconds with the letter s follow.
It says 7h52
